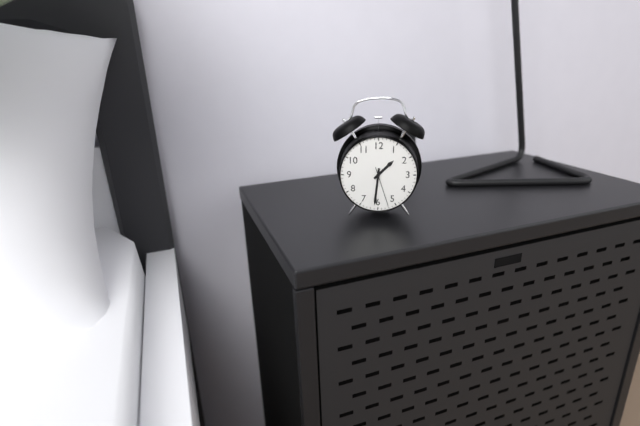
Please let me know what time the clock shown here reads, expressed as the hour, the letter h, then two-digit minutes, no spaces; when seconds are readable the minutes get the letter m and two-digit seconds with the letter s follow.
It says 1h31
